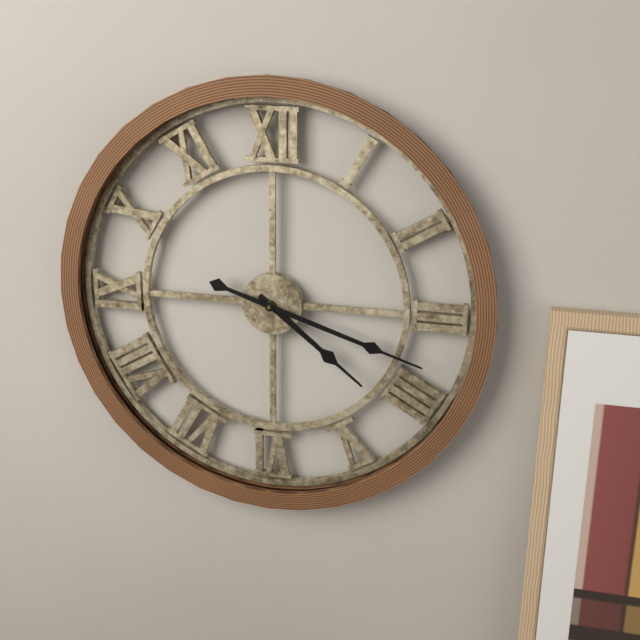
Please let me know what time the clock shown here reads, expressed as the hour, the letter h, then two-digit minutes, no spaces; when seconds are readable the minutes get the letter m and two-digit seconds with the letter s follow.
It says 4h18
